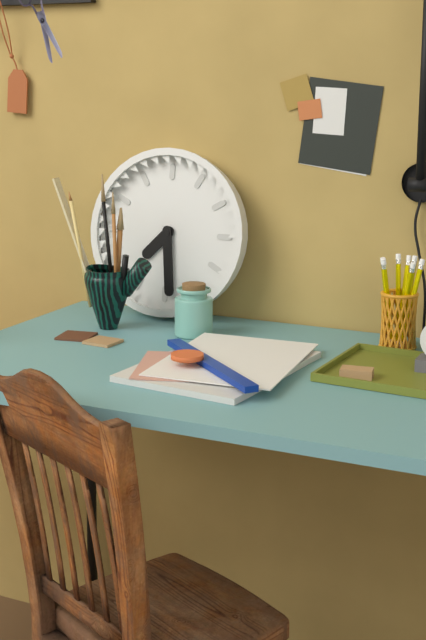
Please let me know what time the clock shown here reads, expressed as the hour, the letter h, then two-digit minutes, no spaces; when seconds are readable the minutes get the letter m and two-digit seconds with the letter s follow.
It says 7h29
